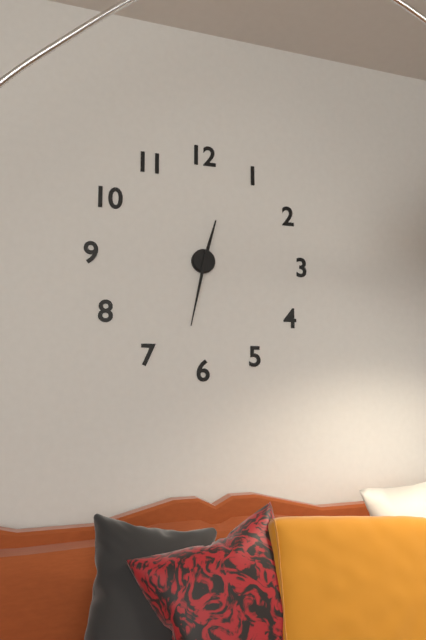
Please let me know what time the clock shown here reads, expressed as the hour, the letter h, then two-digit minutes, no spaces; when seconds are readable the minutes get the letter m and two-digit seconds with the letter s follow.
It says 12h32
